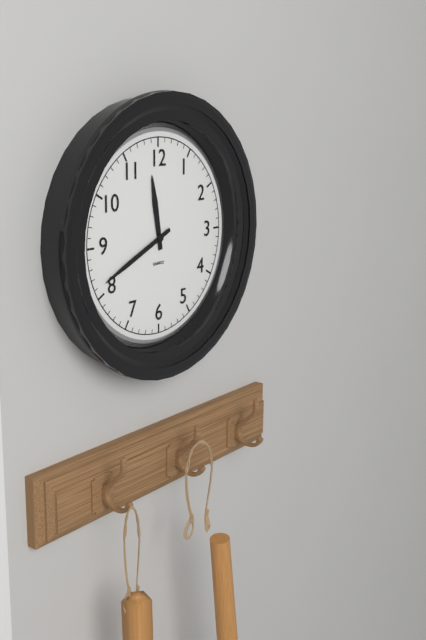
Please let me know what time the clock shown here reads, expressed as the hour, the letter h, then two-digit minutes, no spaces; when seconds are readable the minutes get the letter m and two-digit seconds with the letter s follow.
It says 11h41
